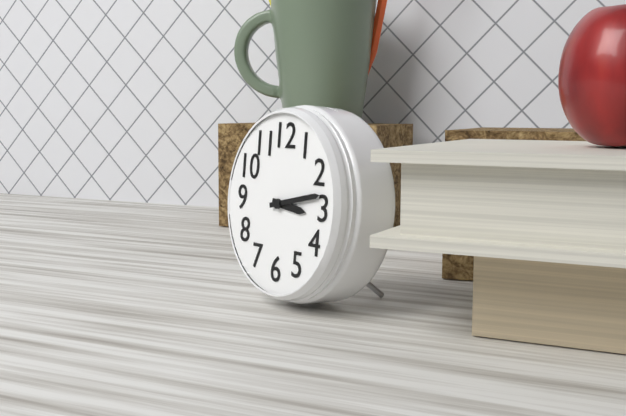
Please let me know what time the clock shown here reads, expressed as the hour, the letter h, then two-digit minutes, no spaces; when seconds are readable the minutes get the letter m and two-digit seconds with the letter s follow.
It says 3h13
